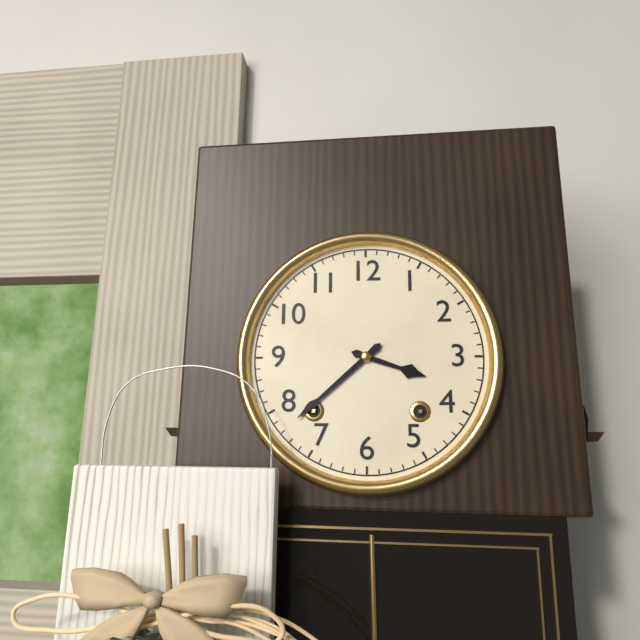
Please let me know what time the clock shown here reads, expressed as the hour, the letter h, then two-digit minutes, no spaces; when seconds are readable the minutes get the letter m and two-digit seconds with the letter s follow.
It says 3h38
